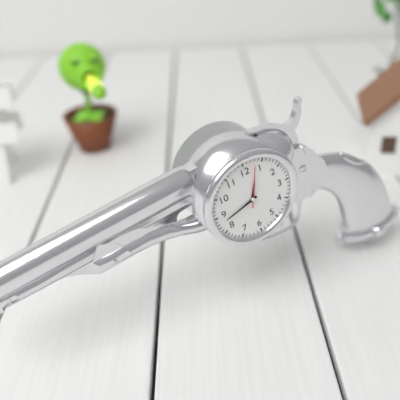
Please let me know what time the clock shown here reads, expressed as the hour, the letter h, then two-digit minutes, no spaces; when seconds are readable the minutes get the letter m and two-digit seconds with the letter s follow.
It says 12h43
